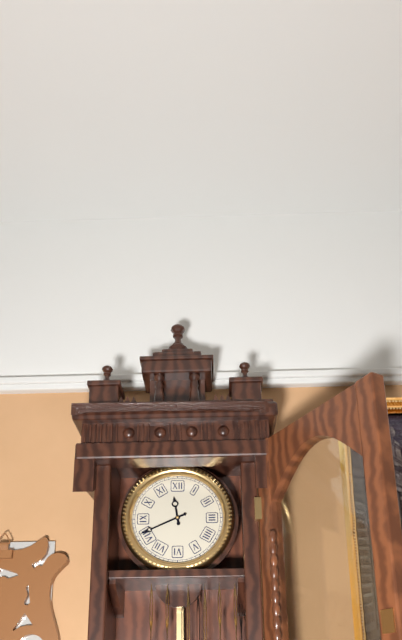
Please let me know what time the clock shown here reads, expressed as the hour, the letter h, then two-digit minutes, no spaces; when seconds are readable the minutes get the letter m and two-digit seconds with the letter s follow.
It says 11h41
